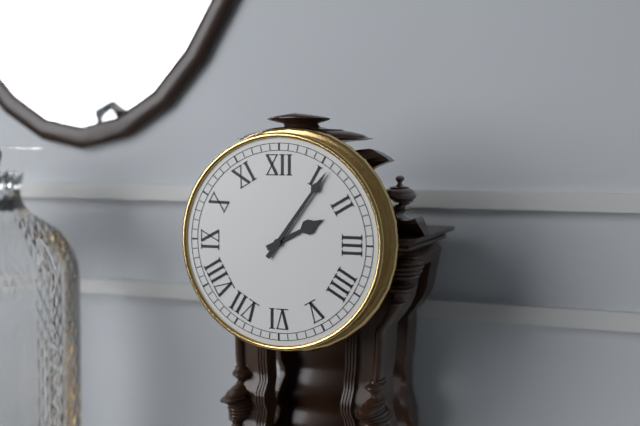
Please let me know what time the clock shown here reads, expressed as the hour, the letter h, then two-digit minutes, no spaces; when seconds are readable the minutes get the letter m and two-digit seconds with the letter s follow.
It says 2h06
